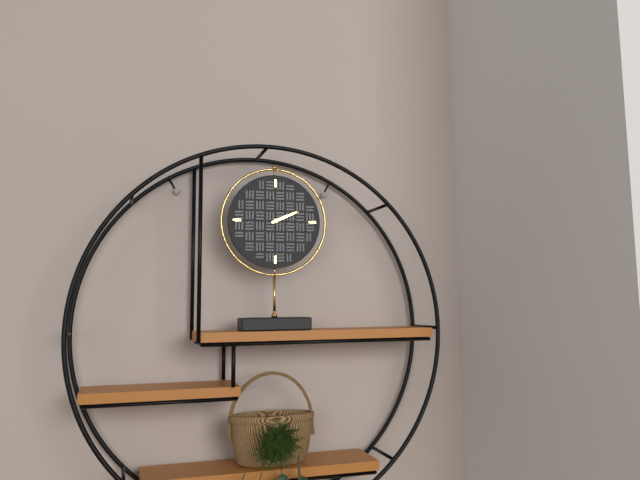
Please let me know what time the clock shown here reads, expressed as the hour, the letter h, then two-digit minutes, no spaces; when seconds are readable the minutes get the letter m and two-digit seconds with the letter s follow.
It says 2h11
